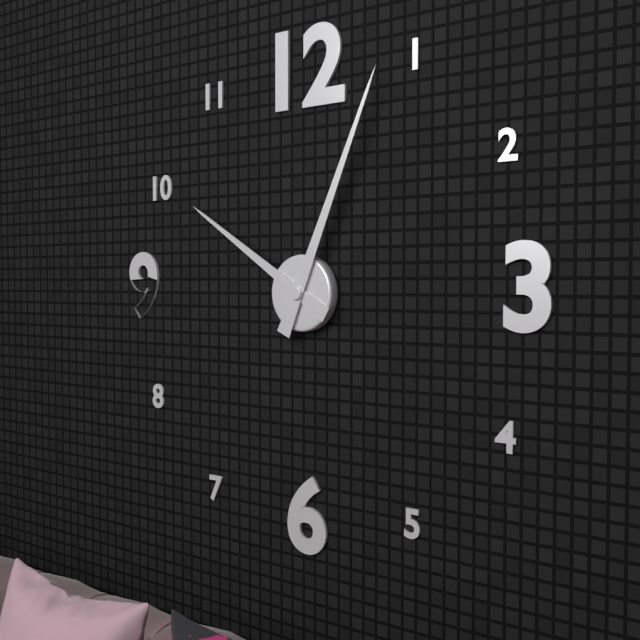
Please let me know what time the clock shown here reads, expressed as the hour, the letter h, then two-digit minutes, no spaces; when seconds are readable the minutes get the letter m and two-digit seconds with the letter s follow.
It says 10h04
